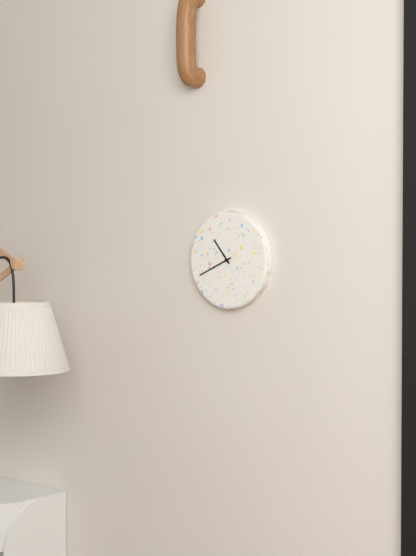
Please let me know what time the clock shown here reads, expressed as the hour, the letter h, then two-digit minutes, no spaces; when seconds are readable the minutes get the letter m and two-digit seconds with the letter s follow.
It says 10h41
